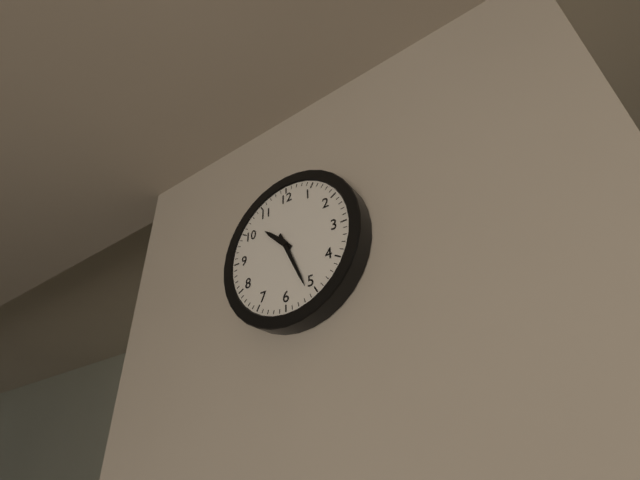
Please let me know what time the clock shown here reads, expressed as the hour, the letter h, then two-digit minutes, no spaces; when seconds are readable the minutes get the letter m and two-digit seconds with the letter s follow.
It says 10h26
